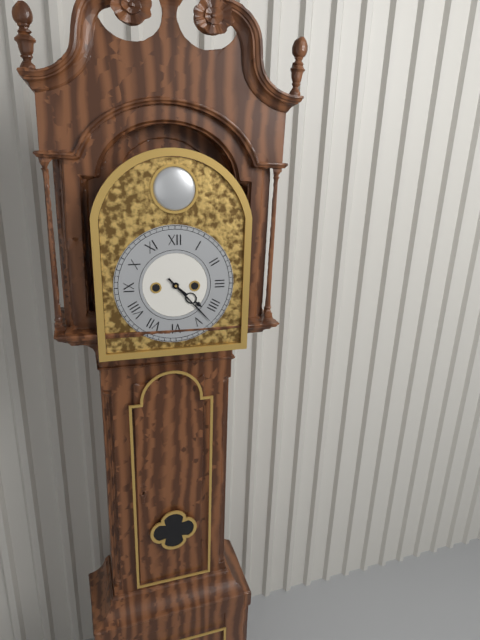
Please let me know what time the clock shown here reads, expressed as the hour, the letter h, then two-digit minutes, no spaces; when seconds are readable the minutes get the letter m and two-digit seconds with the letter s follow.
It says 4h23
